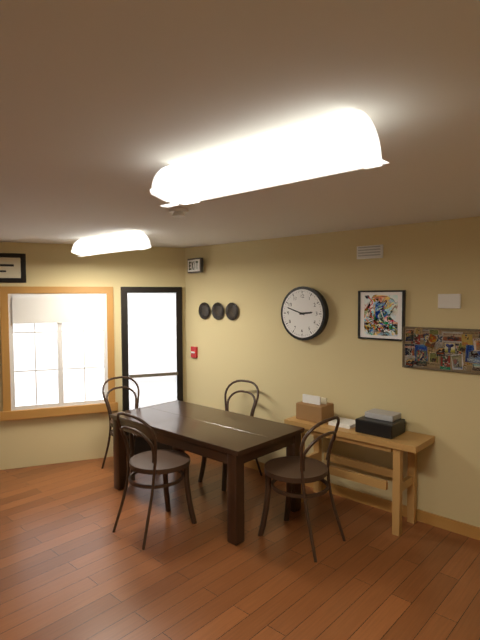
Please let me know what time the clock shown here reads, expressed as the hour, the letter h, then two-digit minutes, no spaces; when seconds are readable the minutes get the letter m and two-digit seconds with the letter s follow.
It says 2h48
